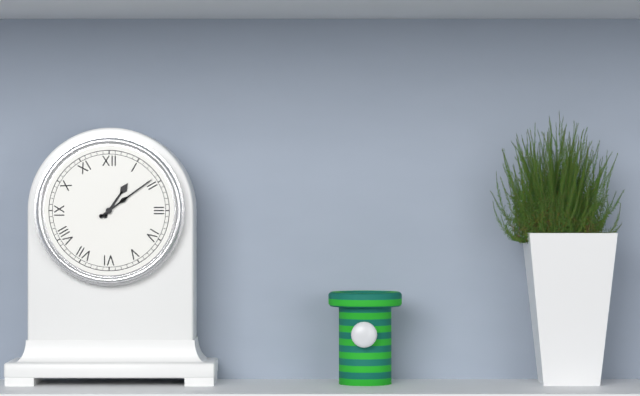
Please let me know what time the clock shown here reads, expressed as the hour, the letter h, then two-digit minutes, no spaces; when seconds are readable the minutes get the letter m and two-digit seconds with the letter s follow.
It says 1h09
